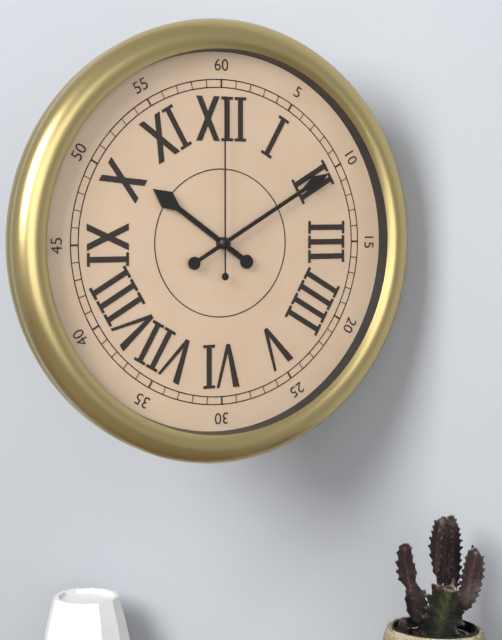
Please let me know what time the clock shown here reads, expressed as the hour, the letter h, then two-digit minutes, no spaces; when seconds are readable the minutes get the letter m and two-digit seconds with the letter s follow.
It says 10h10m00s
